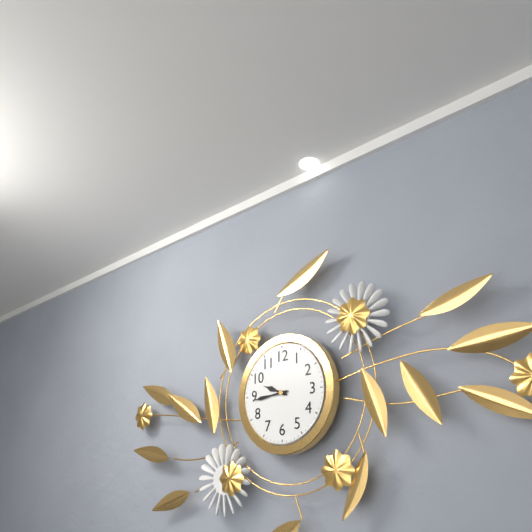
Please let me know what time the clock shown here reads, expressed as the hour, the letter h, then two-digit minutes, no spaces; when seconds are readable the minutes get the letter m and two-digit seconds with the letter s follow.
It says 9h44
